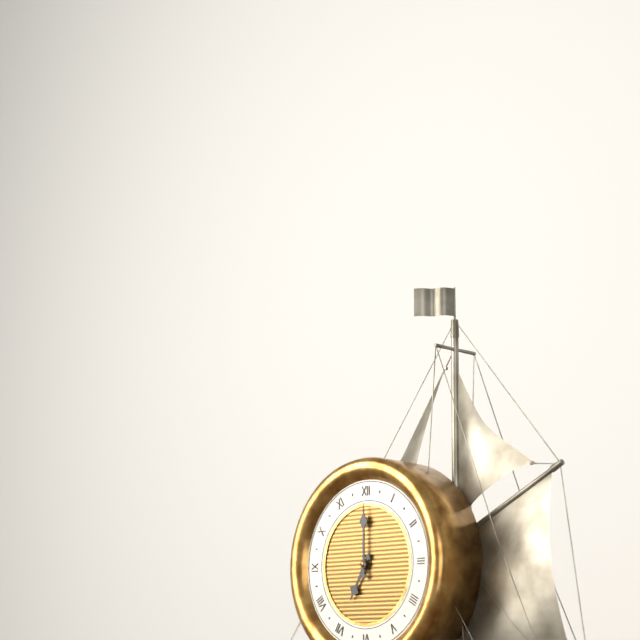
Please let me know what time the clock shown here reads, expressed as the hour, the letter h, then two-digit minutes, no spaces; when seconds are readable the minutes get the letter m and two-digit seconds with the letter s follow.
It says 7h00
